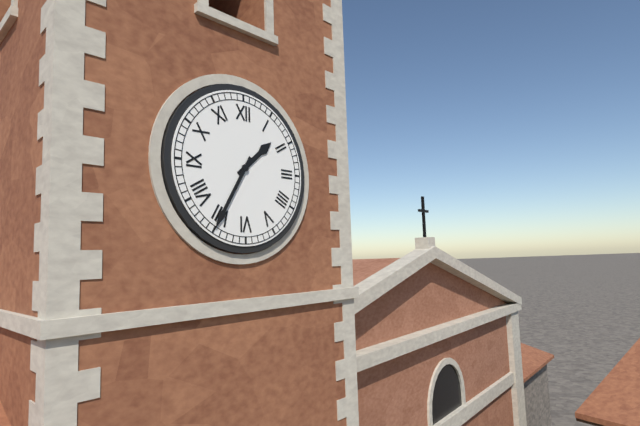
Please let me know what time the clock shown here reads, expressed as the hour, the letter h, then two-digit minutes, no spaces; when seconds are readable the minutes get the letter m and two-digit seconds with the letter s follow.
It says 1h35
